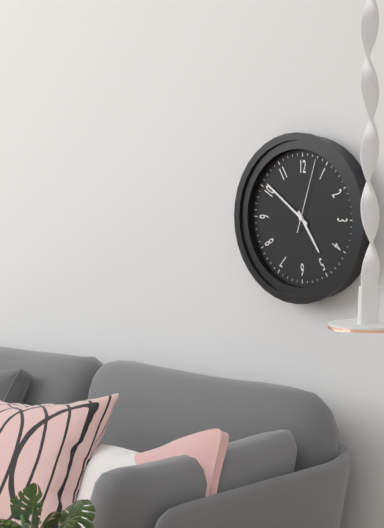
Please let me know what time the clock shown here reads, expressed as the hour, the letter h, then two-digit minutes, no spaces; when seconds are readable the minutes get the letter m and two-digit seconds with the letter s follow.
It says 4h51m03s
